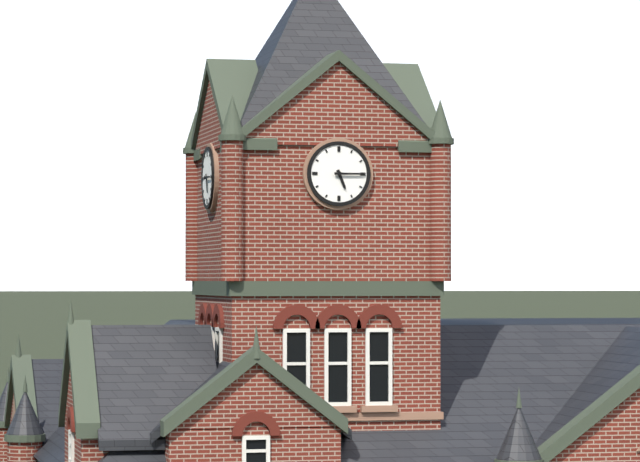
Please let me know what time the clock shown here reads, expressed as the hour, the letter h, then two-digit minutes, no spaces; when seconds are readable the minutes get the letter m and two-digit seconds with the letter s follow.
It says 5h15
